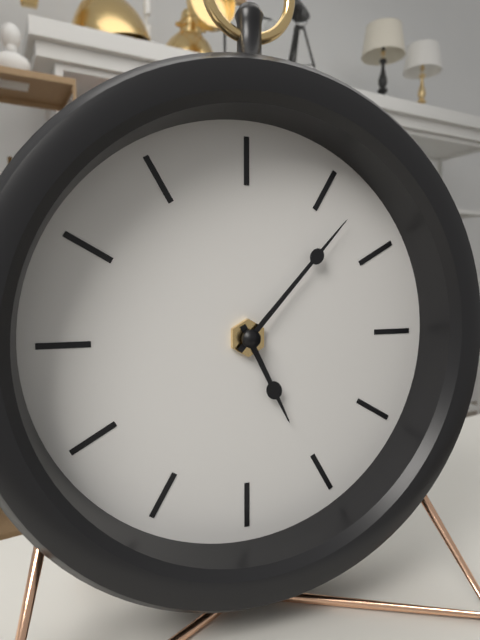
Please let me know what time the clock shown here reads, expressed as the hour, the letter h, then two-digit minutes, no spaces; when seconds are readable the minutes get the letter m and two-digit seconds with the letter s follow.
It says 5h07
